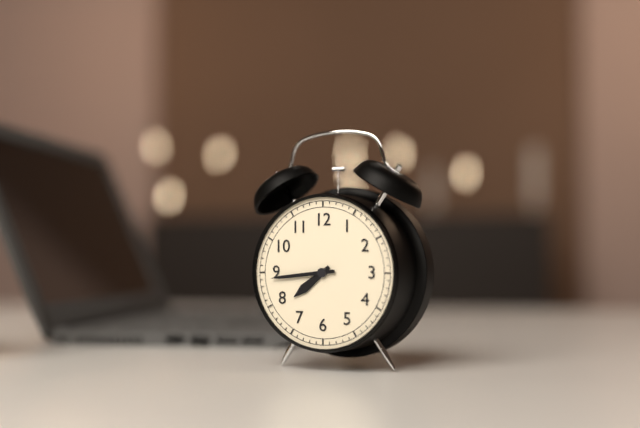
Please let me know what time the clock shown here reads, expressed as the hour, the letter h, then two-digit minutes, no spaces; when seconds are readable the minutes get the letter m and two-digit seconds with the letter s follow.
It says 7h44
